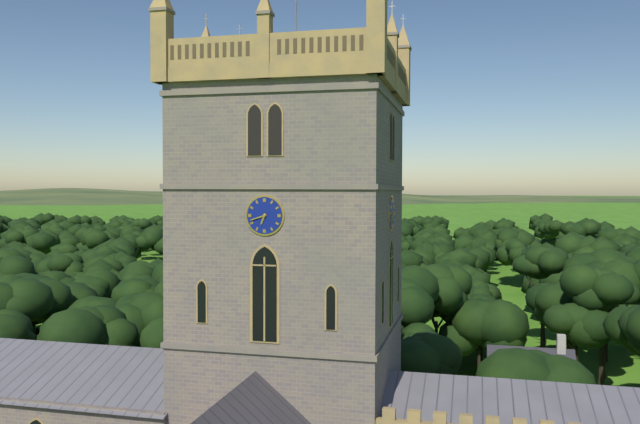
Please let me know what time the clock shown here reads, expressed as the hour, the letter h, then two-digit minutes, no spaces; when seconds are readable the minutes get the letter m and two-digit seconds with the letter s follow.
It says 6h42
